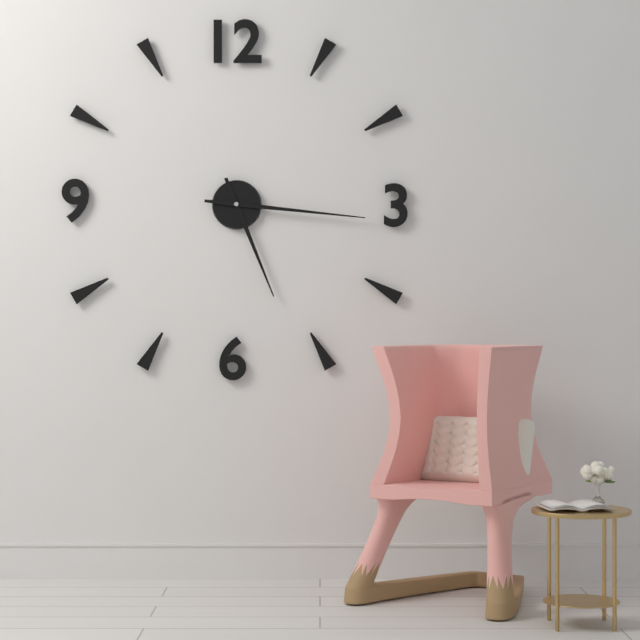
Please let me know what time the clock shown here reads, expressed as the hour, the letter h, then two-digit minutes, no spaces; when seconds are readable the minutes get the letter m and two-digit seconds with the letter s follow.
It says 5h16
